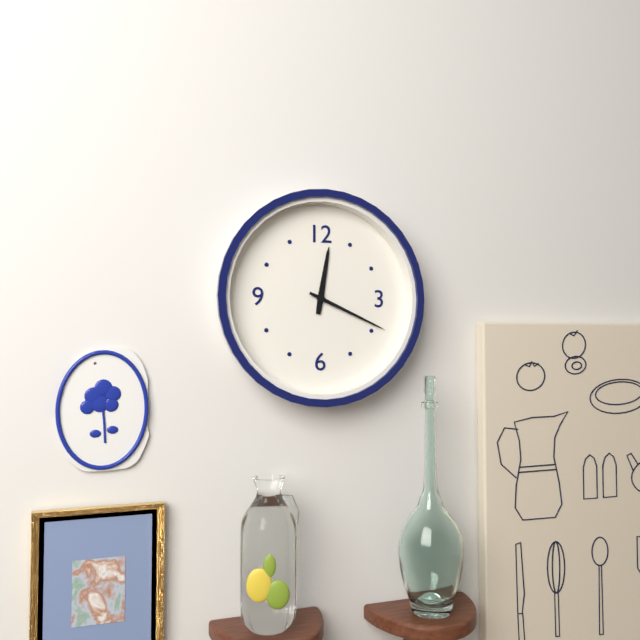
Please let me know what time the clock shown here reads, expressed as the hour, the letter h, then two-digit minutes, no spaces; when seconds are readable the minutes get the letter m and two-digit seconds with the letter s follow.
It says 12h19
